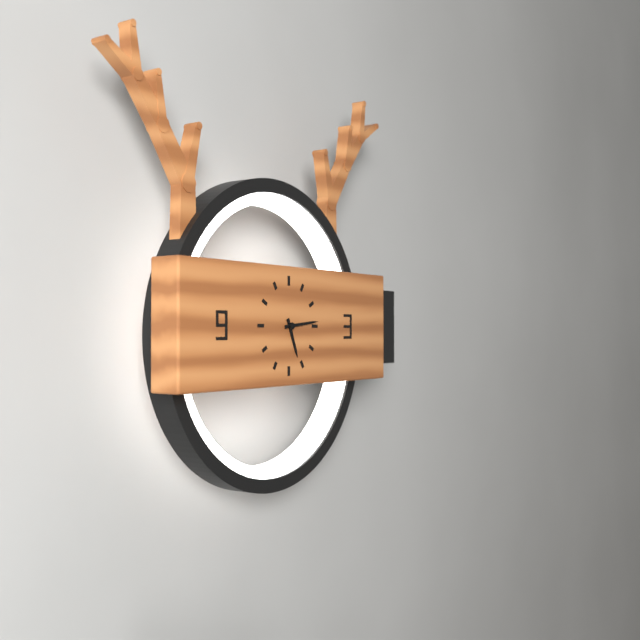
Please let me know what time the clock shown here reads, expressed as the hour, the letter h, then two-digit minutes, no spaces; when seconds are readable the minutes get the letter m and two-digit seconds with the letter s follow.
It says 5h14
